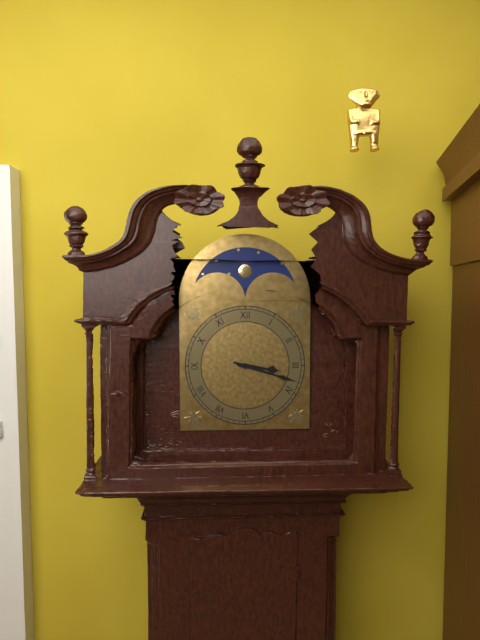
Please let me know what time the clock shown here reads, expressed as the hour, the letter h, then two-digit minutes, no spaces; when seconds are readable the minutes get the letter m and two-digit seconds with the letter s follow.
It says 3h18
